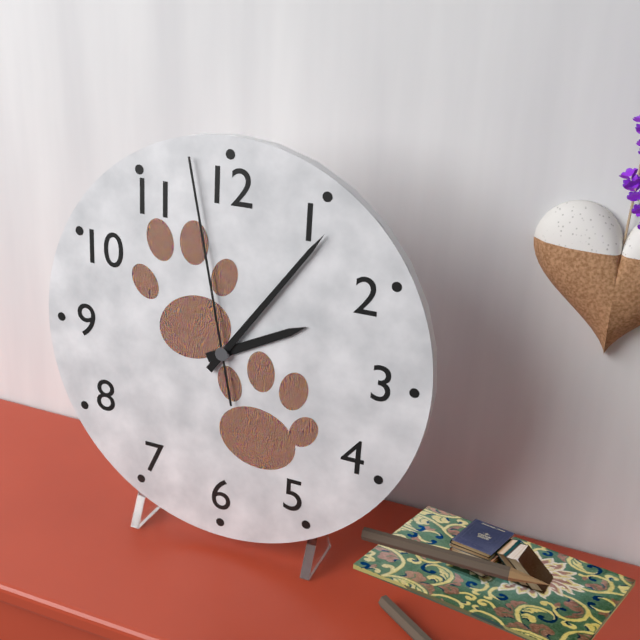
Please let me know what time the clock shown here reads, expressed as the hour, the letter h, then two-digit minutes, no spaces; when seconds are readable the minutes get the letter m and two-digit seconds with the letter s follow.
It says 2h06m58s
